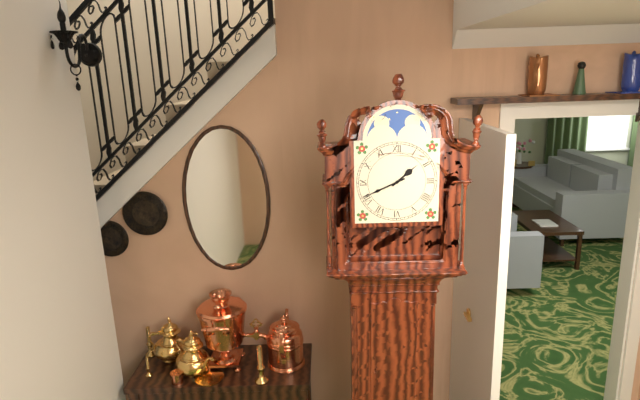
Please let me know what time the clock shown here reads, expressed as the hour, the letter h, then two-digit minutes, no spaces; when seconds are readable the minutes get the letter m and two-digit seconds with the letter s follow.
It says 1h41
